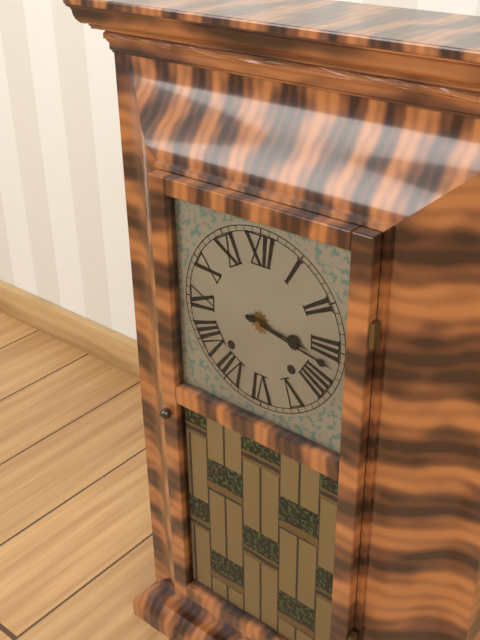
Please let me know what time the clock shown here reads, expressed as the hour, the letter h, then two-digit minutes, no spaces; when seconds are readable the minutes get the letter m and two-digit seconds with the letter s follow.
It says 3h17
